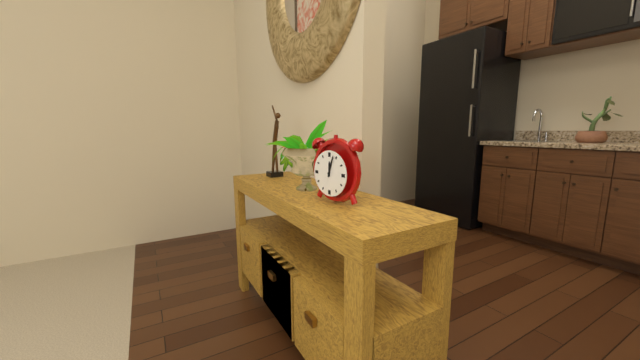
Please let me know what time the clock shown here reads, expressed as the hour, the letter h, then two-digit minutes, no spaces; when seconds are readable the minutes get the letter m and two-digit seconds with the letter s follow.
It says 12h03
